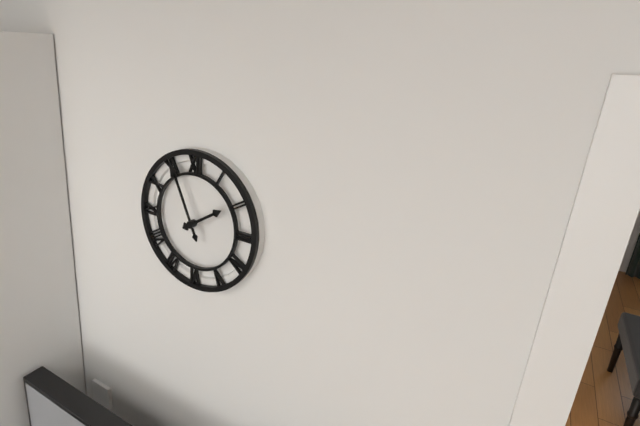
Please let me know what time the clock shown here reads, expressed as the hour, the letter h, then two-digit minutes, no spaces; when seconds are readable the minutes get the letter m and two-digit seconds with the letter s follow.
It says 1h56
